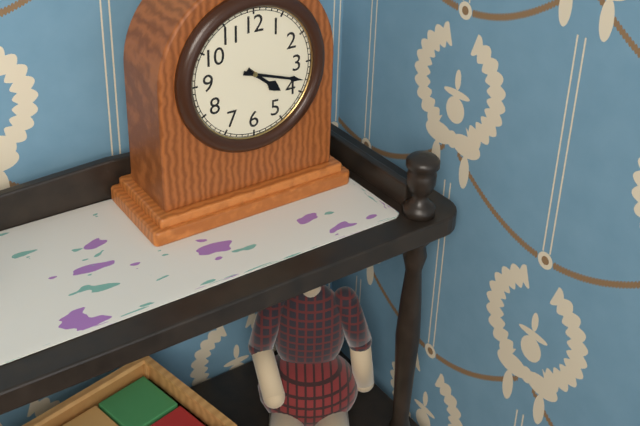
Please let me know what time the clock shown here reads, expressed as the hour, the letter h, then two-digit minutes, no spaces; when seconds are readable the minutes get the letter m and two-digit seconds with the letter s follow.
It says 4h18
